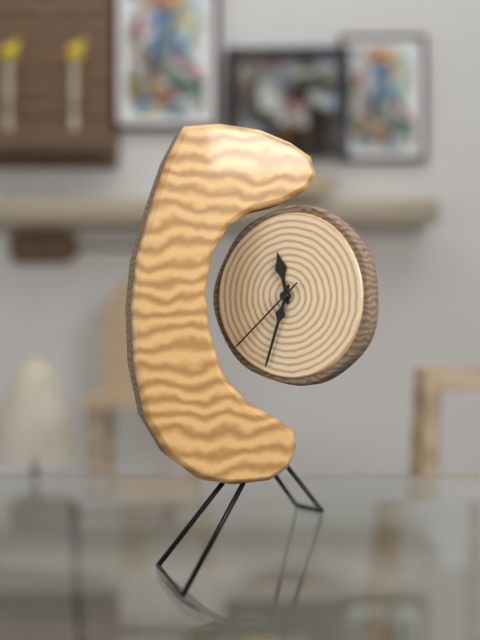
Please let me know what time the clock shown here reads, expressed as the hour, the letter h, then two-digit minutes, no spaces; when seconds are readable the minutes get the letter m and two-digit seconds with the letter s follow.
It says 11h33m38s
